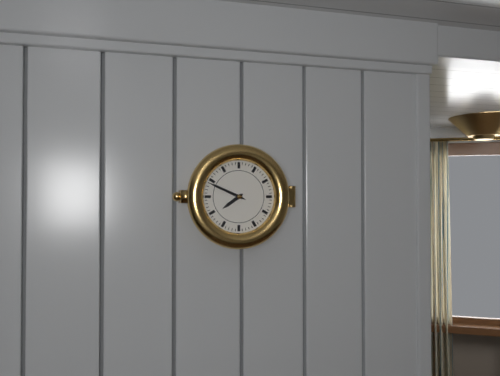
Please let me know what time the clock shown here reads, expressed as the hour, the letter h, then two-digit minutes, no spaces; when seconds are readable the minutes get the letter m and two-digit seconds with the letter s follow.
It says 7h49
